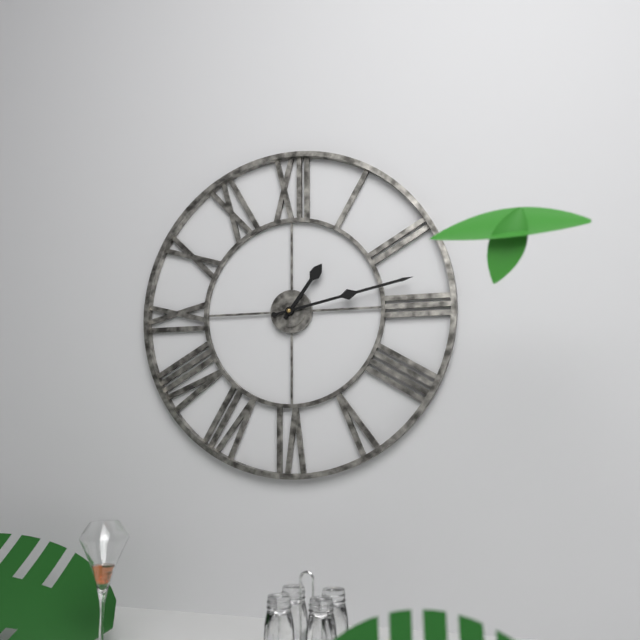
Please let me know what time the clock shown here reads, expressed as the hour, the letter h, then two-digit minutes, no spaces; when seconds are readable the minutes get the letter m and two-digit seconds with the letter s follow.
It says 1h13
